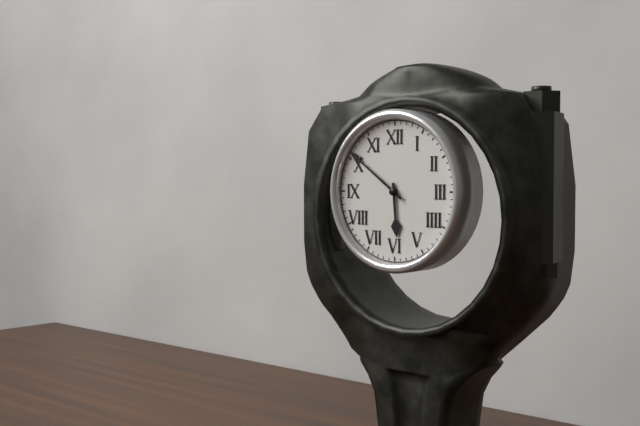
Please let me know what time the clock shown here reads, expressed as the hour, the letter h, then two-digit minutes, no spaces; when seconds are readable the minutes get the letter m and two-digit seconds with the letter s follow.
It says 5h51
